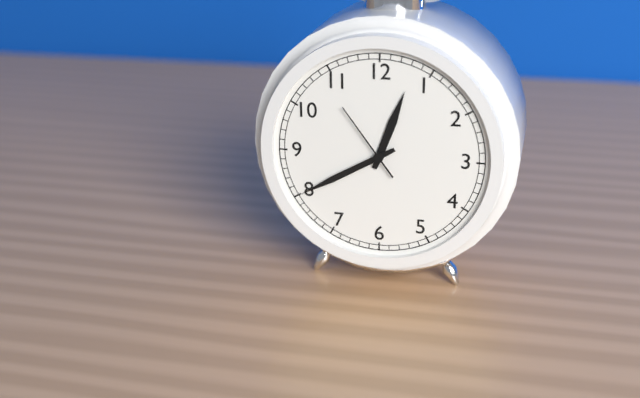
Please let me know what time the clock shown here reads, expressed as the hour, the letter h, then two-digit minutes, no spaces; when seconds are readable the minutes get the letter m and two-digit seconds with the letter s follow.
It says 12h40m54s
